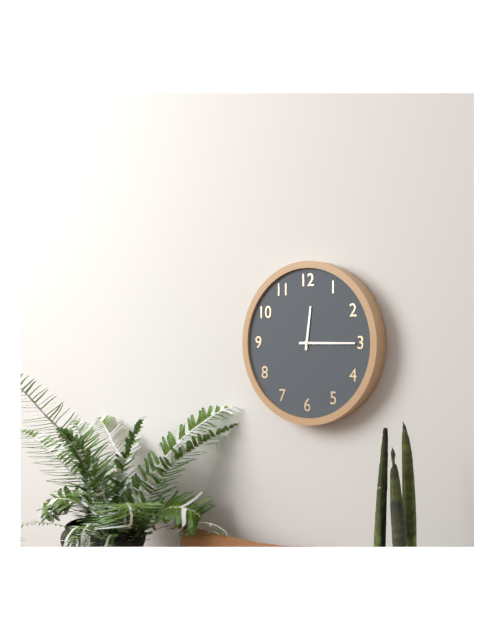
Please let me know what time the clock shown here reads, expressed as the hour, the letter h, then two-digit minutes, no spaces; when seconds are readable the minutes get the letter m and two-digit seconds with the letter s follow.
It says 12h15
